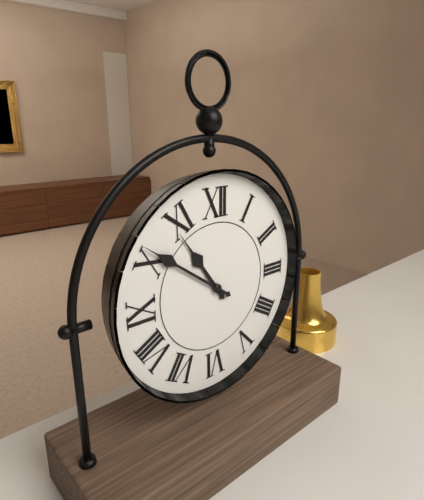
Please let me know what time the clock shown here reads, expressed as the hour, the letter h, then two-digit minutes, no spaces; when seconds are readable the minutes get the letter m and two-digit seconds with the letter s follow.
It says 10h51
